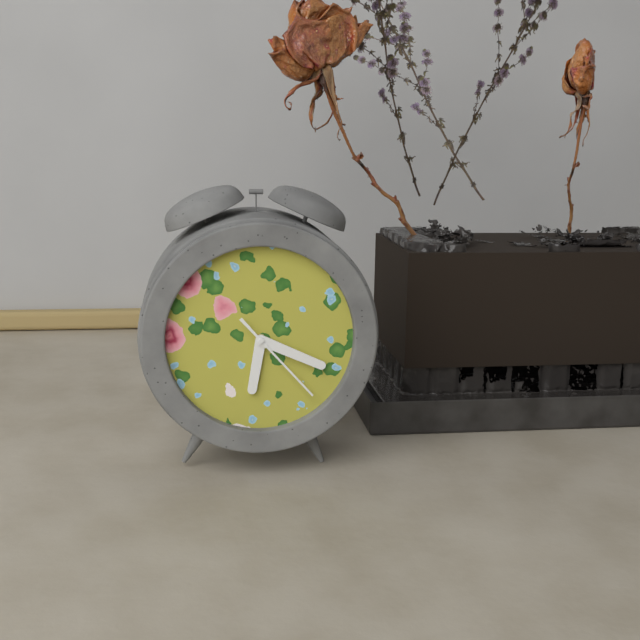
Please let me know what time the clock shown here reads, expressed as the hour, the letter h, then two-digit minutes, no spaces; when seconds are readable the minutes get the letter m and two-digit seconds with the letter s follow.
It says 6h19m23s
